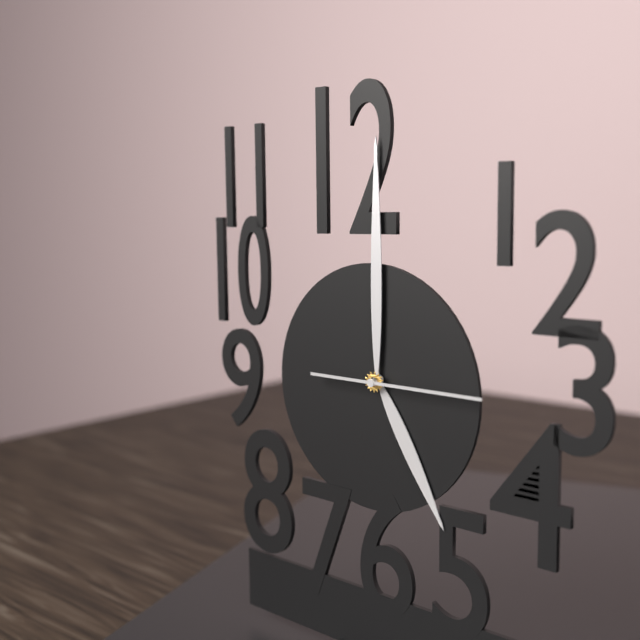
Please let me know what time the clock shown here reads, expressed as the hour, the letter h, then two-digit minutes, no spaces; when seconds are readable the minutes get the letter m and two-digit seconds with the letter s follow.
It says 5h00m15s
